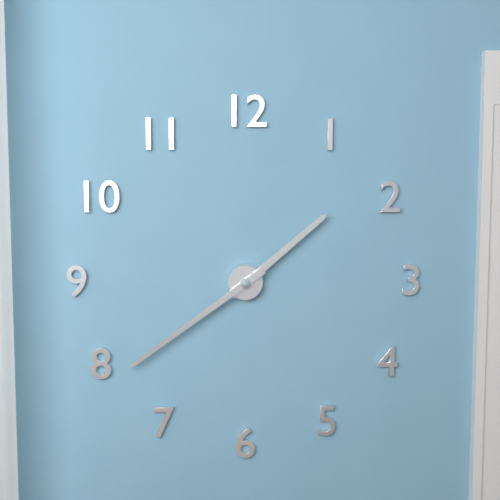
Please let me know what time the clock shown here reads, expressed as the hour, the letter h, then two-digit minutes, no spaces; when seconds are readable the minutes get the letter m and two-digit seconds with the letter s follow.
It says 1h39
